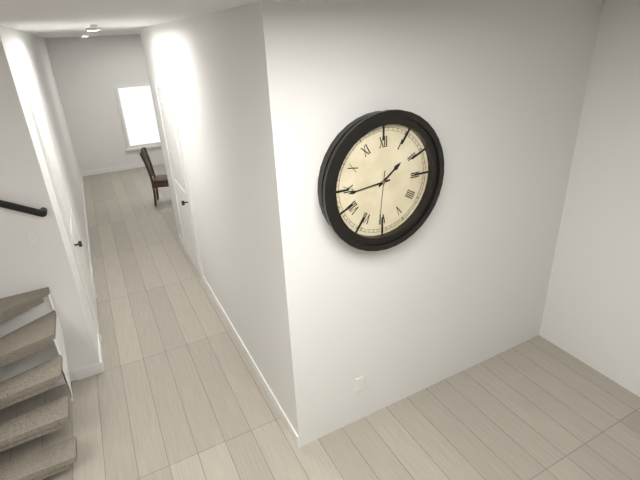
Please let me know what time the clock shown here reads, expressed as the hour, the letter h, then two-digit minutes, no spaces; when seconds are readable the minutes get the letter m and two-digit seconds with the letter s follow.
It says 1h44m31s
